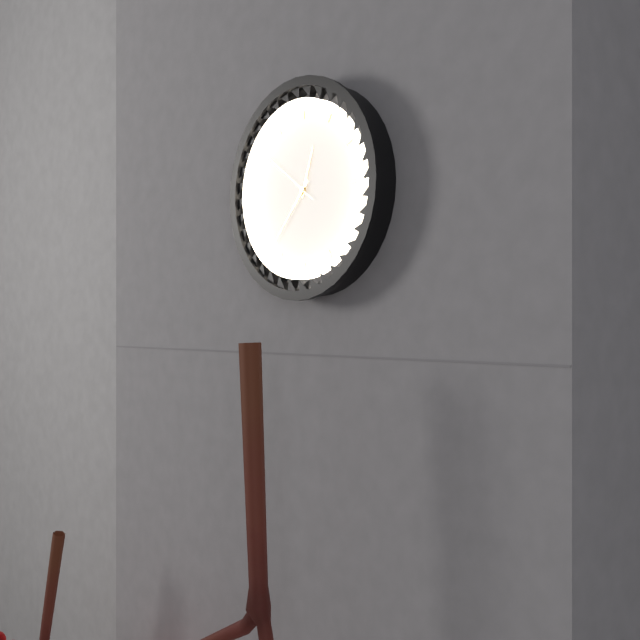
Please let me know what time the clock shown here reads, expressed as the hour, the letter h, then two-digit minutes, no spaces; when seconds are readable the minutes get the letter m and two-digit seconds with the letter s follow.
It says 12h37m51s
